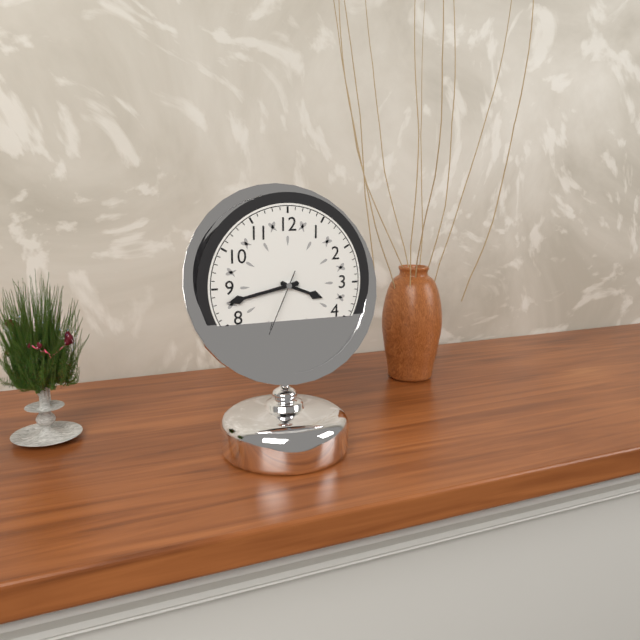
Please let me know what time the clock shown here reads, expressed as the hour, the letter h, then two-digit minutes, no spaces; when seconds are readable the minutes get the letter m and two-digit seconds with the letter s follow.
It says 3h43m34s
